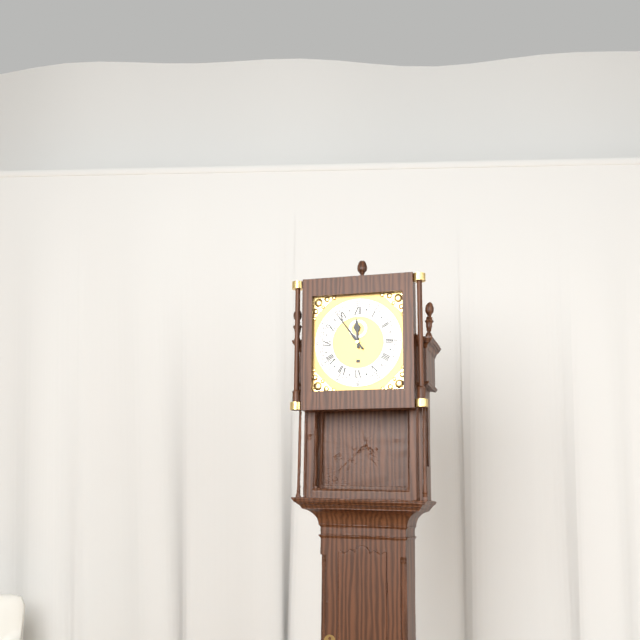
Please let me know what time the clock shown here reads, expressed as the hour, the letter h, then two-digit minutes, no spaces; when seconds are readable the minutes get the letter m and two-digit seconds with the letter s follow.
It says 11h54
